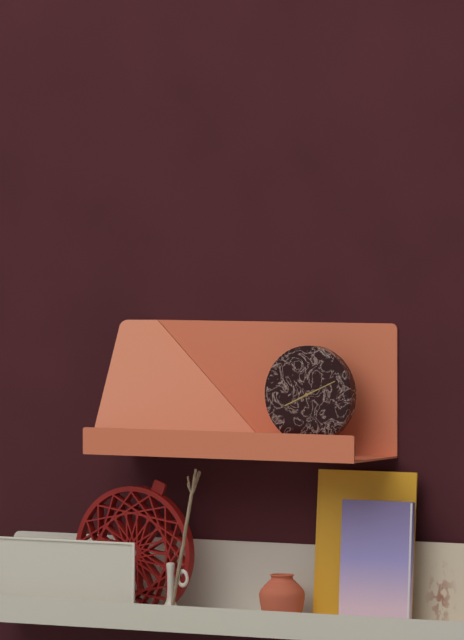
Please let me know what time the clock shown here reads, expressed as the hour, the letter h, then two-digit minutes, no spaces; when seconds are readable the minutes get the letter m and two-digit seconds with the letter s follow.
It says 8h11
